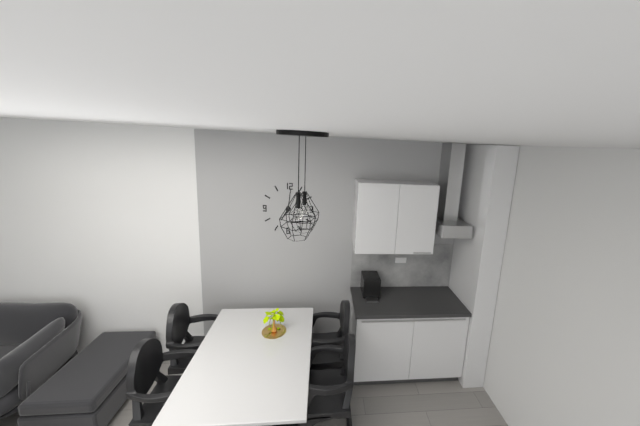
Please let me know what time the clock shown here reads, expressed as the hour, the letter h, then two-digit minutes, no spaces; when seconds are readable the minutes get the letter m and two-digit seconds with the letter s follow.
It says 7h01
